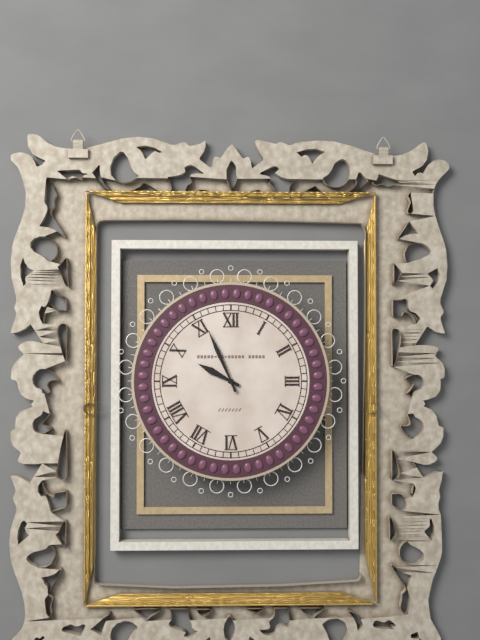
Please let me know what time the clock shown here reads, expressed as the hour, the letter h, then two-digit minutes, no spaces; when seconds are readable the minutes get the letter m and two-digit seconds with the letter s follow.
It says 9h56
